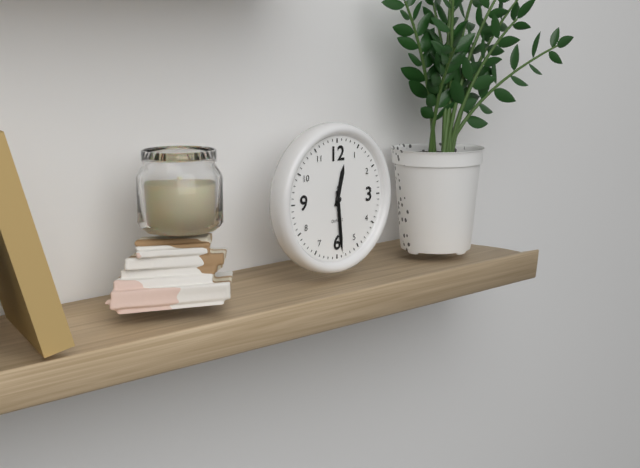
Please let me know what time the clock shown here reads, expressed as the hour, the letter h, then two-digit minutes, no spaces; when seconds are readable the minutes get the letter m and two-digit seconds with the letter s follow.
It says 12h29m29s
